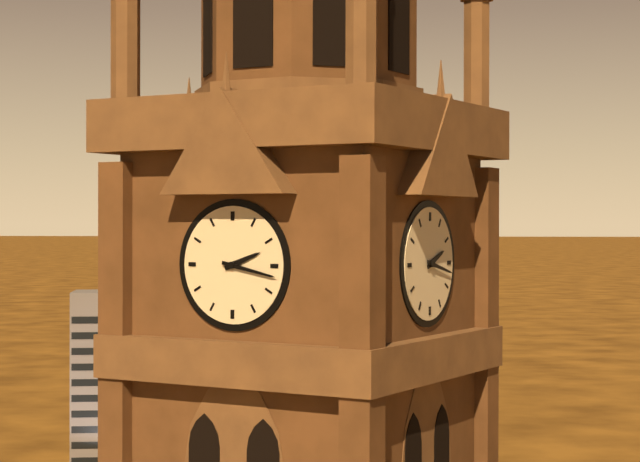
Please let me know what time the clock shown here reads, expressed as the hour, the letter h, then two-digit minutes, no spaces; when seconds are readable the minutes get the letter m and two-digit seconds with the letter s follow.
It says 2h17
